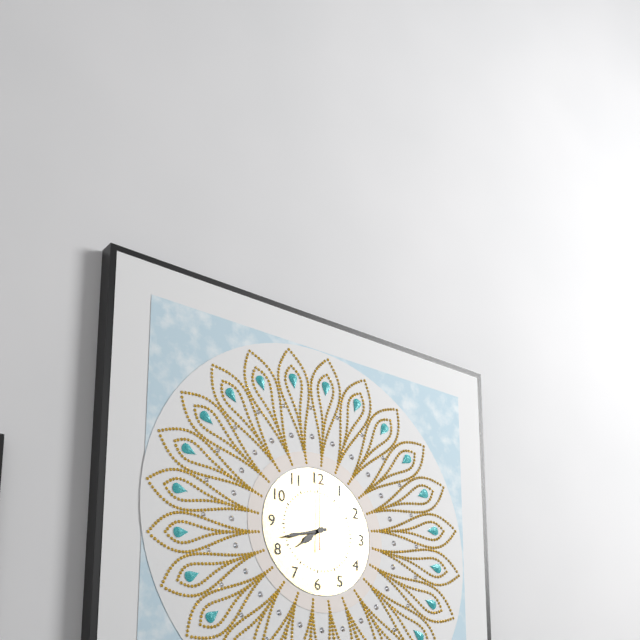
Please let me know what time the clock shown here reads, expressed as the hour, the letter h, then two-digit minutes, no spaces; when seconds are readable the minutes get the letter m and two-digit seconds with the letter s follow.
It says 7h42m00s
